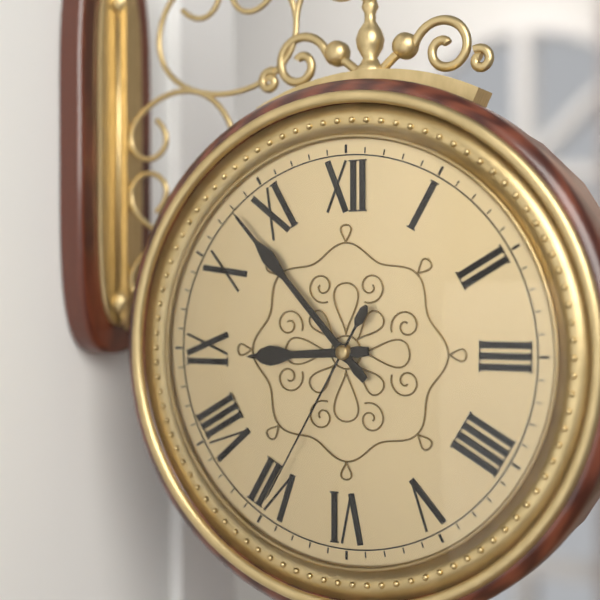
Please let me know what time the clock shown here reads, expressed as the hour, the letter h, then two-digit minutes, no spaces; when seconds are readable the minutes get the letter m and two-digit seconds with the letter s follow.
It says 8h53m35s
